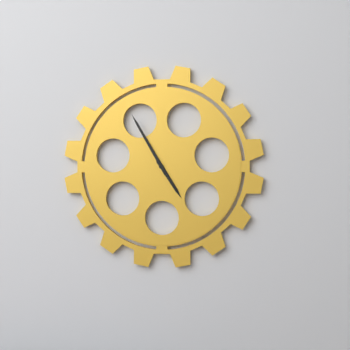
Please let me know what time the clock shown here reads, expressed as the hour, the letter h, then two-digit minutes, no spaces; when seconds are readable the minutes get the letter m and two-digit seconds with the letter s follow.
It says 4h55
